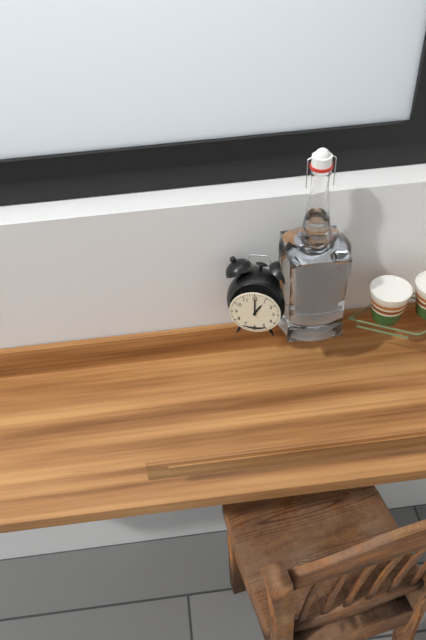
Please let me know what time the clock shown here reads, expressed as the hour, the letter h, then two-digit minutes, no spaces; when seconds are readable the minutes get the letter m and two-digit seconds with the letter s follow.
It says 1h00
